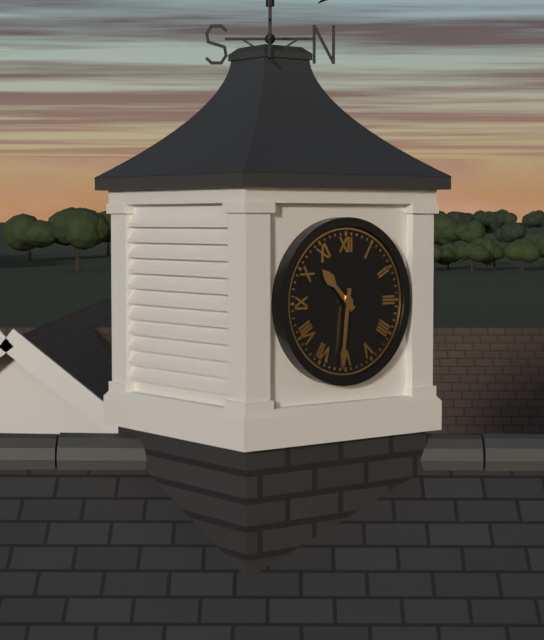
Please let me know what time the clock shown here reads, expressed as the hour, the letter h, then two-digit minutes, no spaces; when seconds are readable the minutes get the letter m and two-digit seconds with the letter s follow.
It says 10h31
